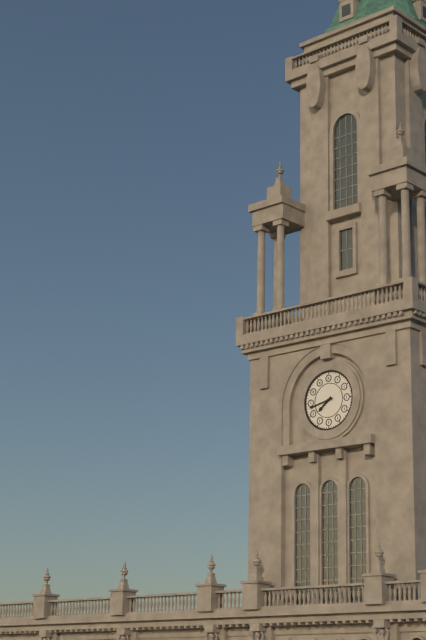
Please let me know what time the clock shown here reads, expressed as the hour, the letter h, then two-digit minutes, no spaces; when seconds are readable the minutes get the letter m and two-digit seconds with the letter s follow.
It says 7h43
